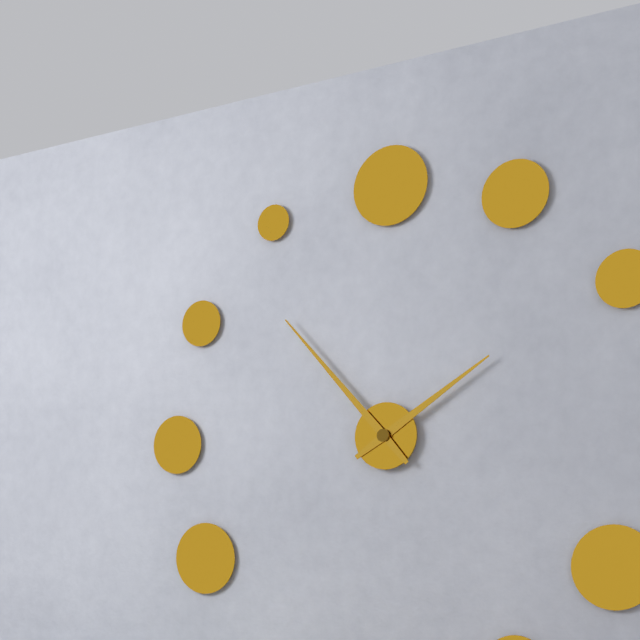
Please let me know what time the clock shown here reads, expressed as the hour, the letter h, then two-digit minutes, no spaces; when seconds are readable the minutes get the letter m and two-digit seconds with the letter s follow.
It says 1h53
